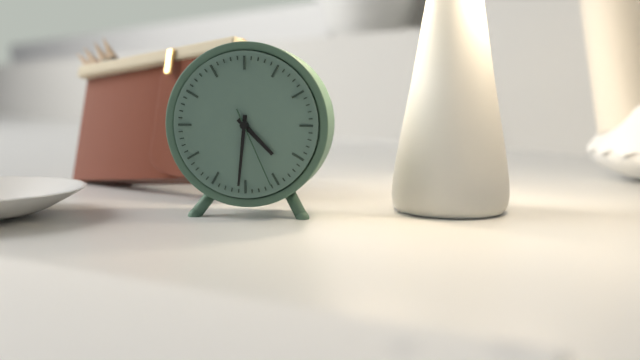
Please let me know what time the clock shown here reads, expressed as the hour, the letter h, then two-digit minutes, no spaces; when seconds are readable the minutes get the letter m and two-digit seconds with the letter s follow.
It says 4h31m26s
